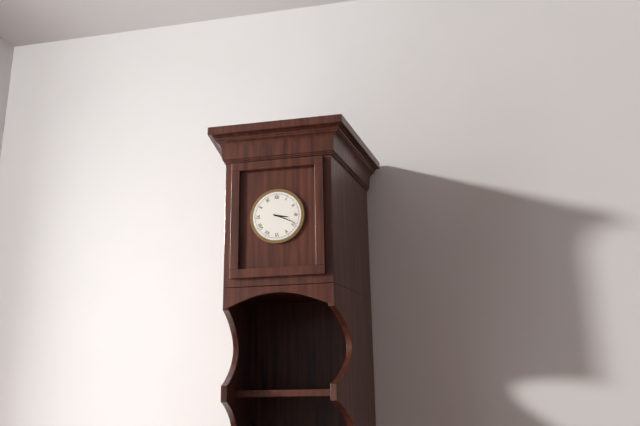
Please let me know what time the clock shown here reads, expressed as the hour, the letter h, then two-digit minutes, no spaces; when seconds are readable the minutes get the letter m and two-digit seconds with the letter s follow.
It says 3h19
